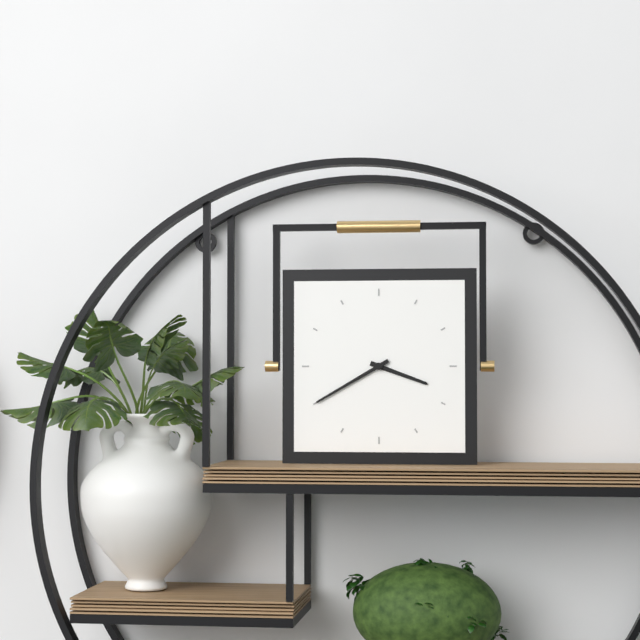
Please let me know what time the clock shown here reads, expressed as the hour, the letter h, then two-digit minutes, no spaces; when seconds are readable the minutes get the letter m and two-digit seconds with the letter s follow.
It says 3h40
